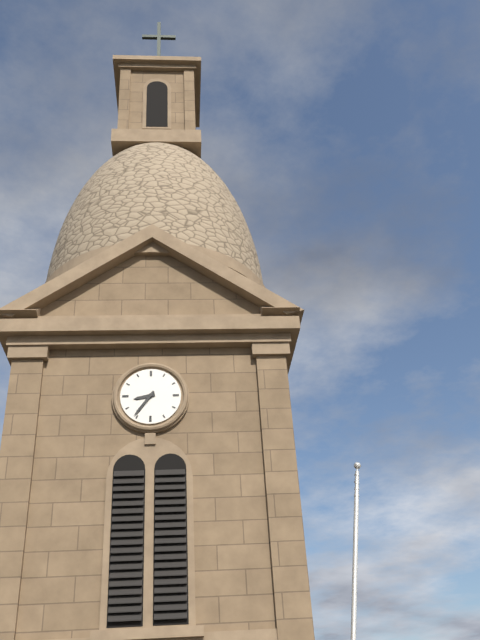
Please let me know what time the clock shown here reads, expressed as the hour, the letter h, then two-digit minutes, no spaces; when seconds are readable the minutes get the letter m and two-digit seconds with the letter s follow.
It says 8h36
